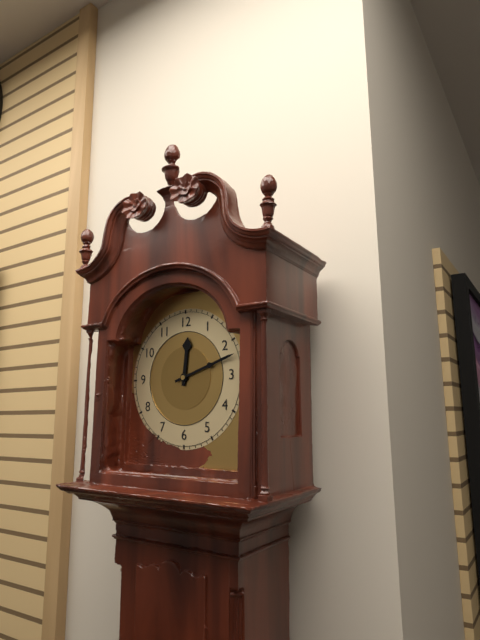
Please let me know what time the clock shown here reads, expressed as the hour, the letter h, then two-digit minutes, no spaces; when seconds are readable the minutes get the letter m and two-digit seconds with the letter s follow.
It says 12h12
